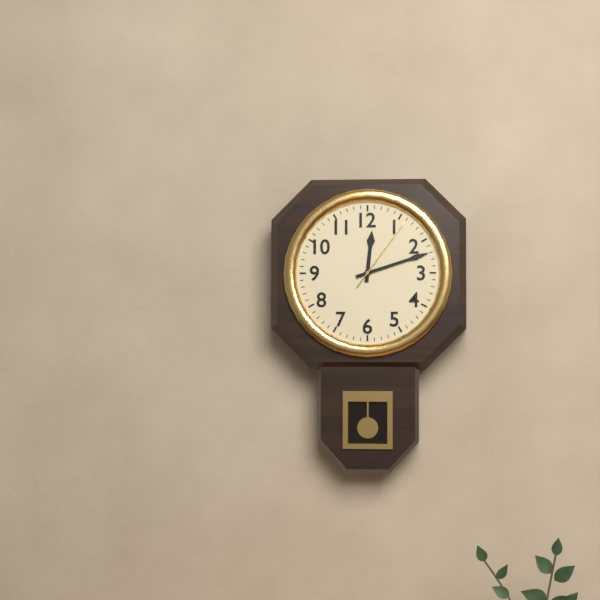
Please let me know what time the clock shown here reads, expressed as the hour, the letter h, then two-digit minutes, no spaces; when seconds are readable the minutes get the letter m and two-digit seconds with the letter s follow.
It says 12h12m06s
